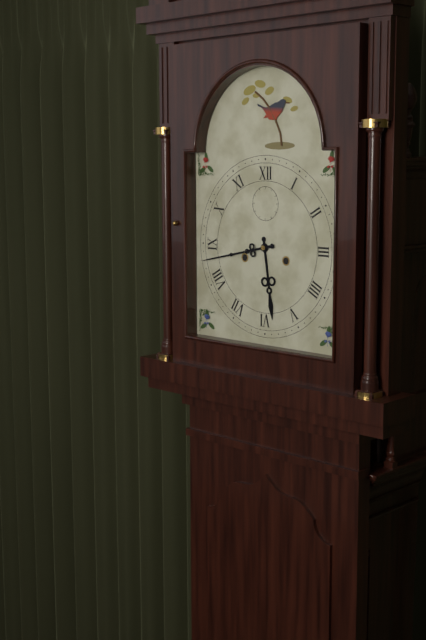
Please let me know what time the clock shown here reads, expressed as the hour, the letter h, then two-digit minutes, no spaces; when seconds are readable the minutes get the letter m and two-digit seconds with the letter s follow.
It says 5h43
